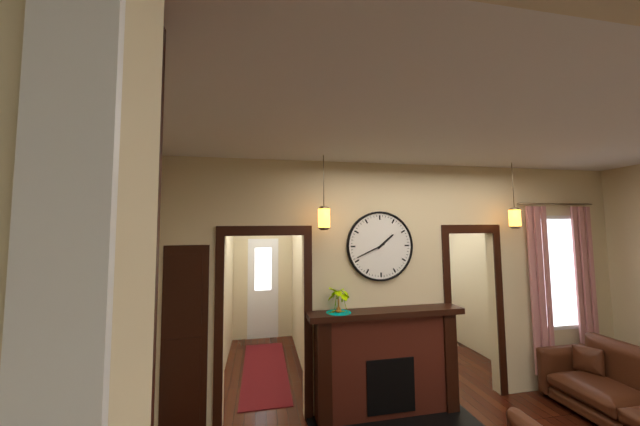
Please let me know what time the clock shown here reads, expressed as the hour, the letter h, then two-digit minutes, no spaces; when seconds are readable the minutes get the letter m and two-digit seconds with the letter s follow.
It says 1h41
